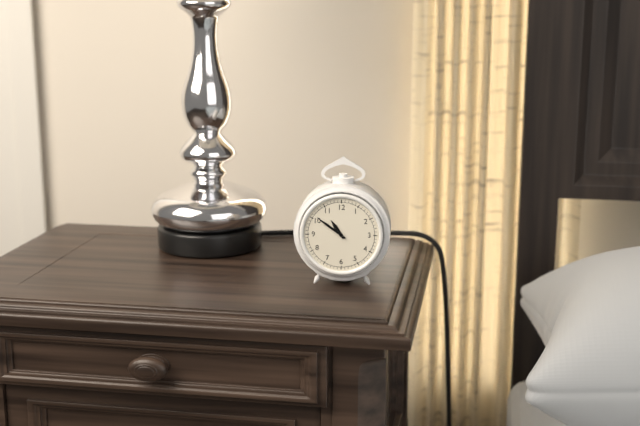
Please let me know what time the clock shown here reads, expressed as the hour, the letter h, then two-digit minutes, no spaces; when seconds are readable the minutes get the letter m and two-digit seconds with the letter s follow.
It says 10h51
